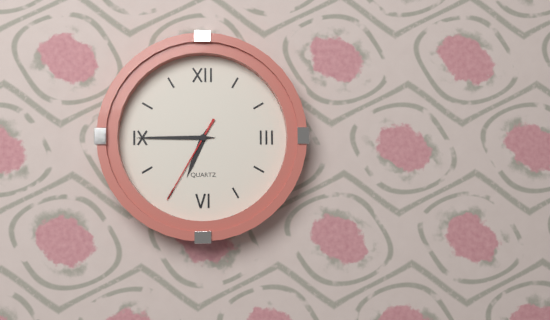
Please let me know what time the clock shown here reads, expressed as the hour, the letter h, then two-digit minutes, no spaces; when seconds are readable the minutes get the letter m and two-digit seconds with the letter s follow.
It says 6h45m35s
